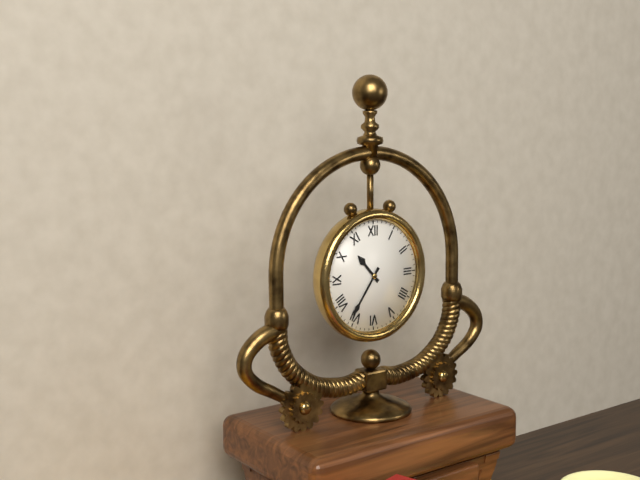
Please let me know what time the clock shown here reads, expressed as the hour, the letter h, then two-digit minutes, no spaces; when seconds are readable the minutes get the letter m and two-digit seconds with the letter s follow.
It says 10h36
